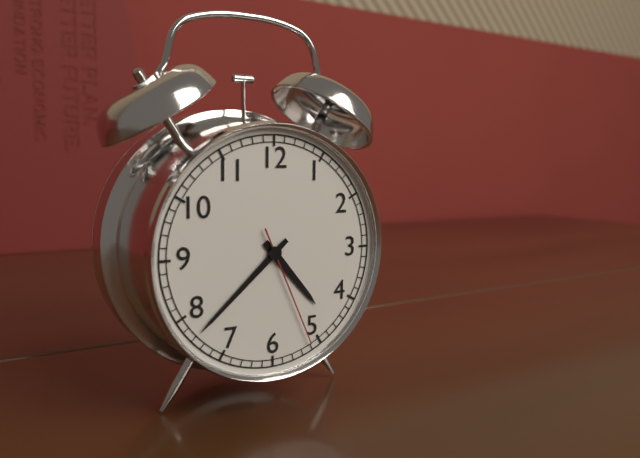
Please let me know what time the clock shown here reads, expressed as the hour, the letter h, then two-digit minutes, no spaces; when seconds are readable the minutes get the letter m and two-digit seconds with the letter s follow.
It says 4h38m26s
